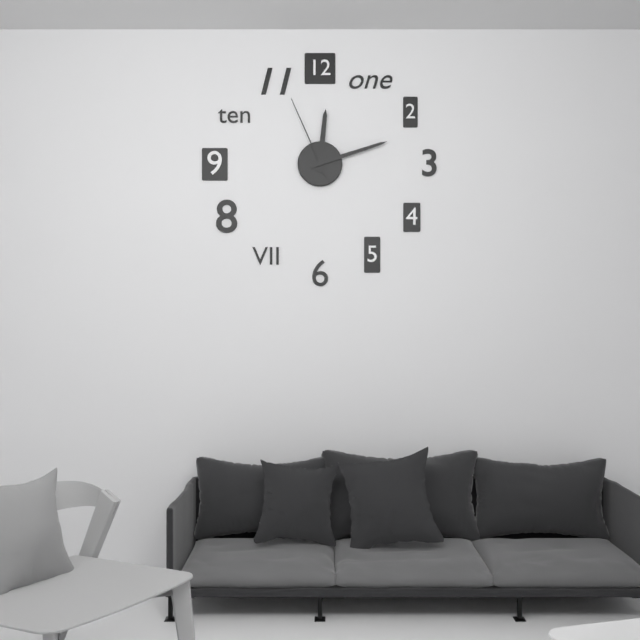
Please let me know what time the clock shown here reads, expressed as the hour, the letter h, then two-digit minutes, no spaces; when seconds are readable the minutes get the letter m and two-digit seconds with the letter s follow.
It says 12h12m56s
